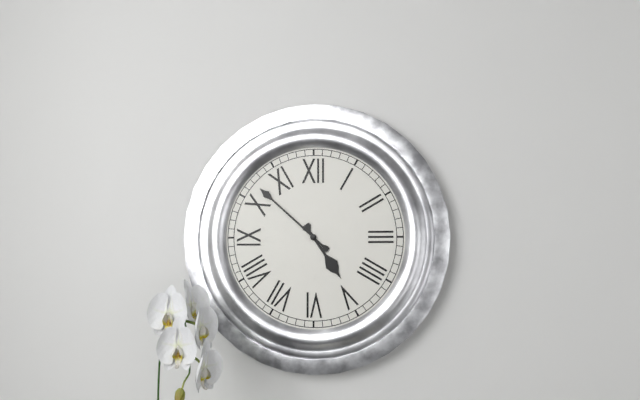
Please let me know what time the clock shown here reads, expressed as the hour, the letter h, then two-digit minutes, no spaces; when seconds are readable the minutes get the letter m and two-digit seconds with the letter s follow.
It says 4h52
